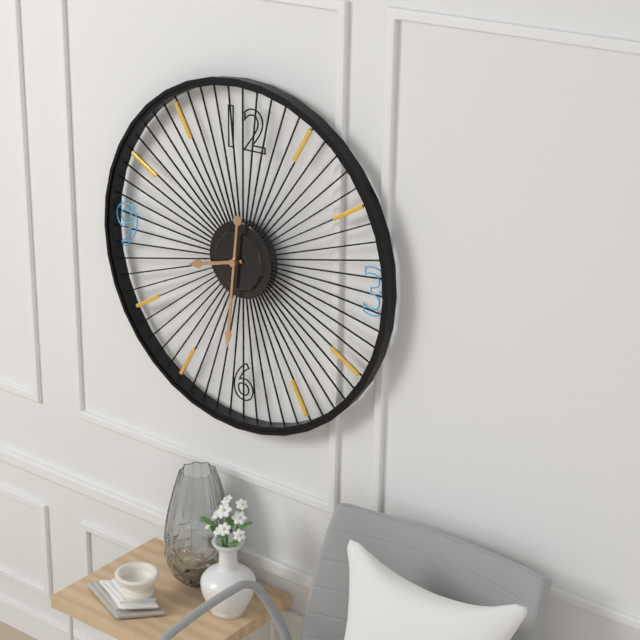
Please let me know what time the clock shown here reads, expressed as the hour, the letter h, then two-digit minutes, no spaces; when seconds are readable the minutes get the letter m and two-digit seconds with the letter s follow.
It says 8h31
